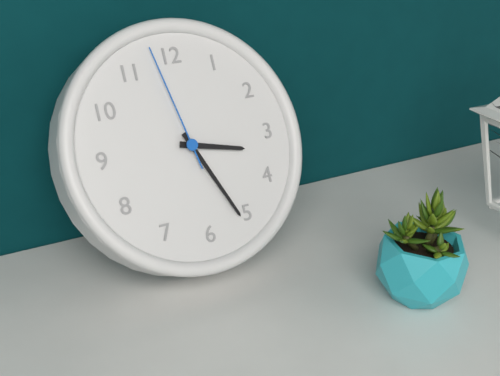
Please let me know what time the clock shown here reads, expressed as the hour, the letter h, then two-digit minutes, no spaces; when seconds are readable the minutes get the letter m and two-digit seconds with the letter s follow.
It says 3h26m58s
